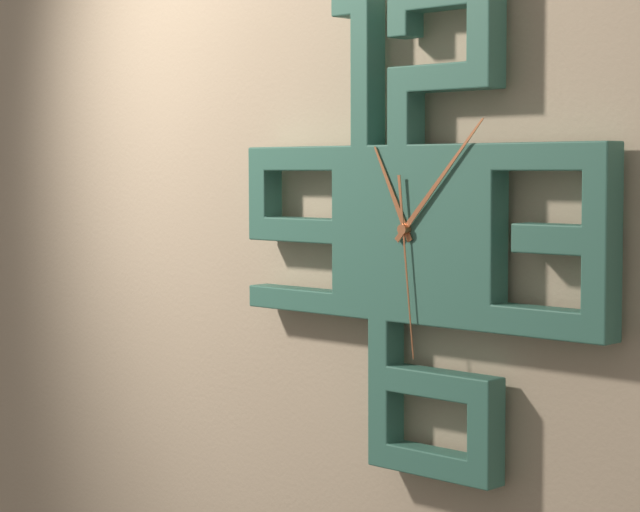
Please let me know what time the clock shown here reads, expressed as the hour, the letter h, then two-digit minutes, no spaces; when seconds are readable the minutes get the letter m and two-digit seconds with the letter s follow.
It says 11h07m29s
